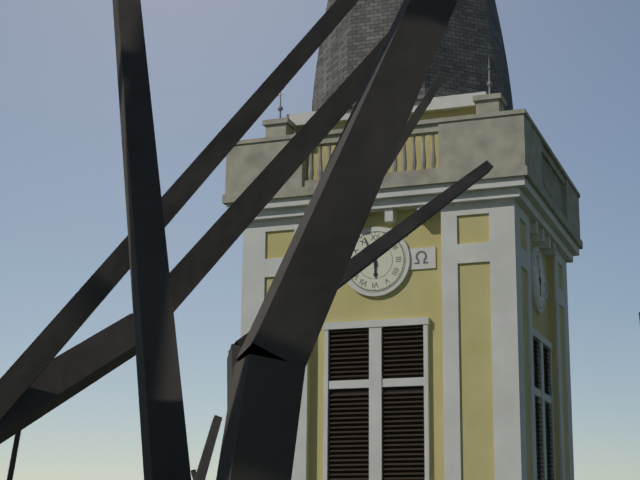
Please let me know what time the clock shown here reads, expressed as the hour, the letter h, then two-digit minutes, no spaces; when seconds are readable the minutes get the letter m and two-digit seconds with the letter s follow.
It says 5h56
